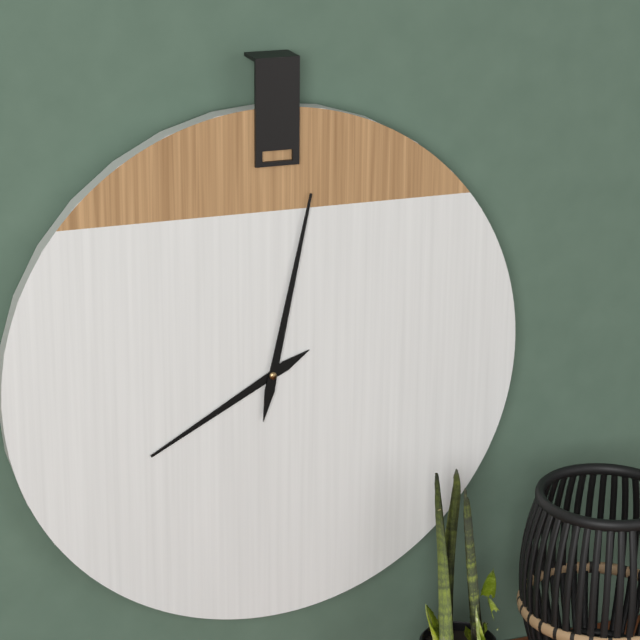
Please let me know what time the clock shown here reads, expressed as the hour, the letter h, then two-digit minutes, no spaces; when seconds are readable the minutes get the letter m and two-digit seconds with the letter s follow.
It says 8h02
